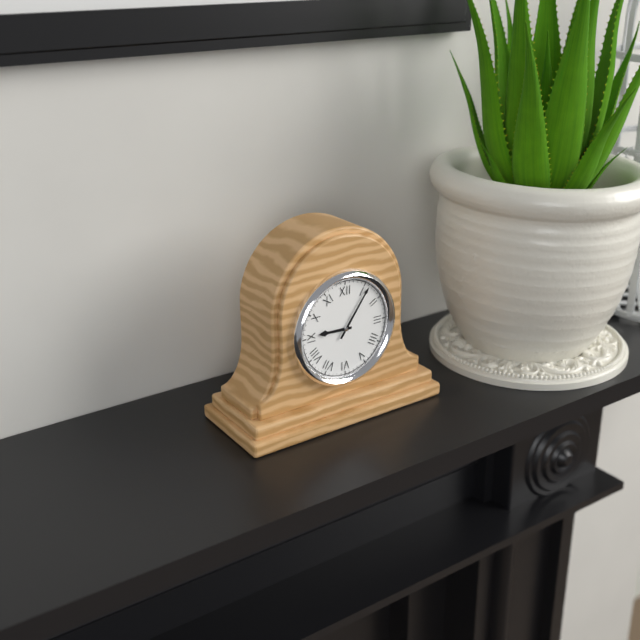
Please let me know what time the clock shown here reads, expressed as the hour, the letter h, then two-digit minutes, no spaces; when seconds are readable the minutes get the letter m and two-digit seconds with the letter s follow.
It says 9h06
